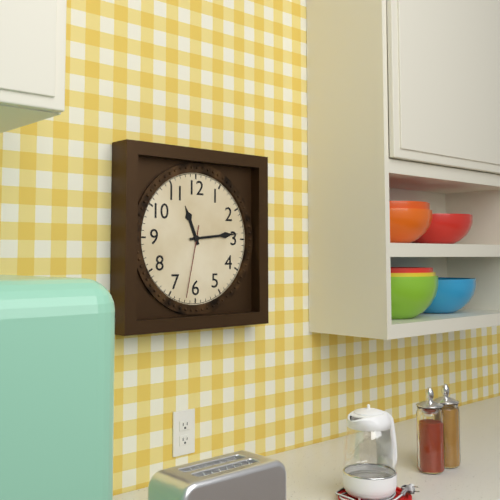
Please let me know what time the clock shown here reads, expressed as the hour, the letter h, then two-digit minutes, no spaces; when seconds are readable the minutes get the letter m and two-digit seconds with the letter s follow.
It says 11h14m32s
